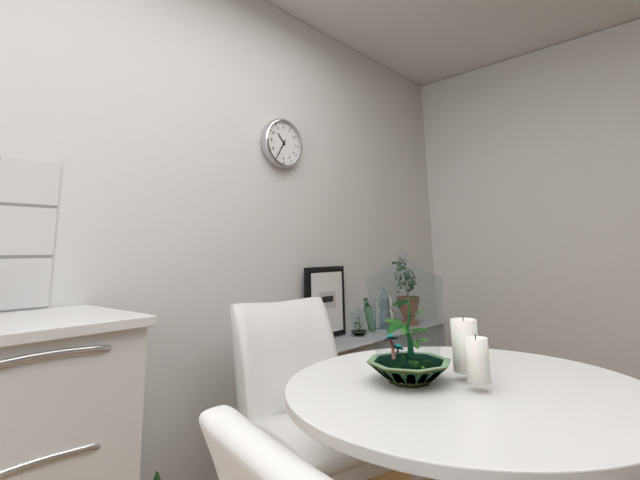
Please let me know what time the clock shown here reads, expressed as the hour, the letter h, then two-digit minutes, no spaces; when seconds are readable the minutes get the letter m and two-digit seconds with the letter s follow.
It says 10h35
